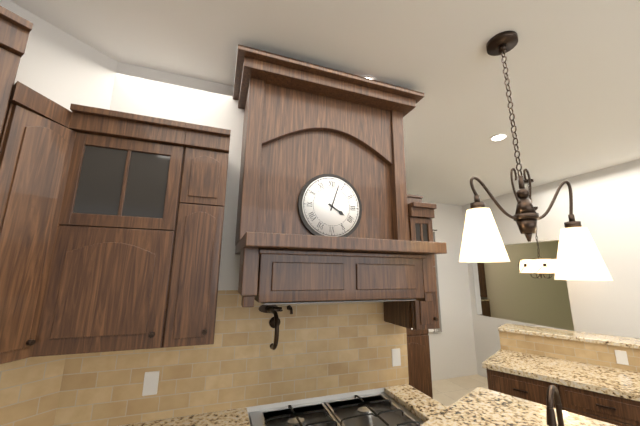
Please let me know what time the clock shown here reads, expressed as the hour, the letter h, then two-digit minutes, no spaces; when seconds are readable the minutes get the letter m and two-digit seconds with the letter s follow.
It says 4h03
